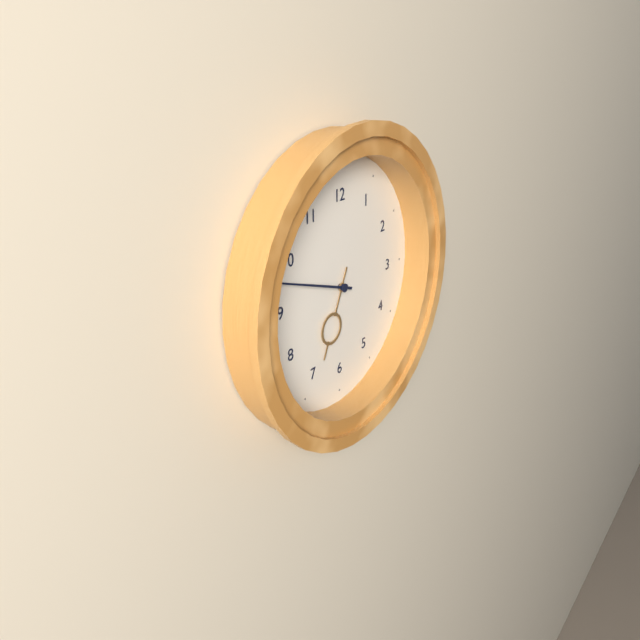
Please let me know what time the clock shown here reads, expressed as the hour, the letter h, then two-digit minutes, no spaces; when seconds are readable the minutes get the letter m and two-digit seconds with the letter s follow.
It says 6h48
